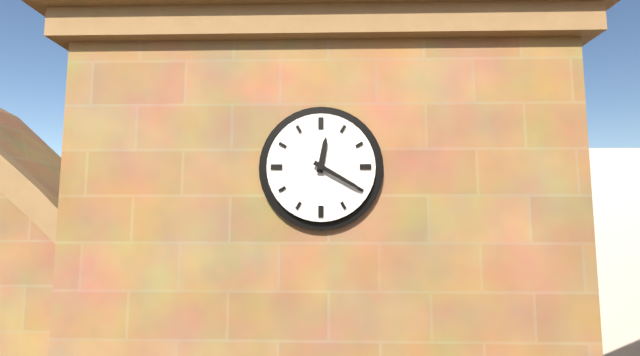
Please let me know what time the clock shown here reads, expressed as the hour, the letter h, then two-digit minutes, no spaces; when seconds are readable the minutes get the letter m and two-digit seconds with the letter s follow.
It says 12h20
